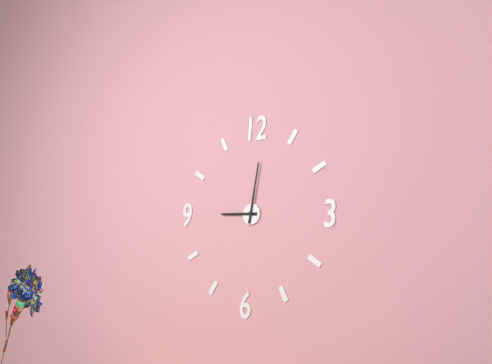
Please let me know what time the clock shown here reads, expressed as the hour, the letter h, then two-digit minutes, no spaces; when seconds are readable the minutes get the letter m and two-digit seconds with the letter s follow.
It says 9h01
